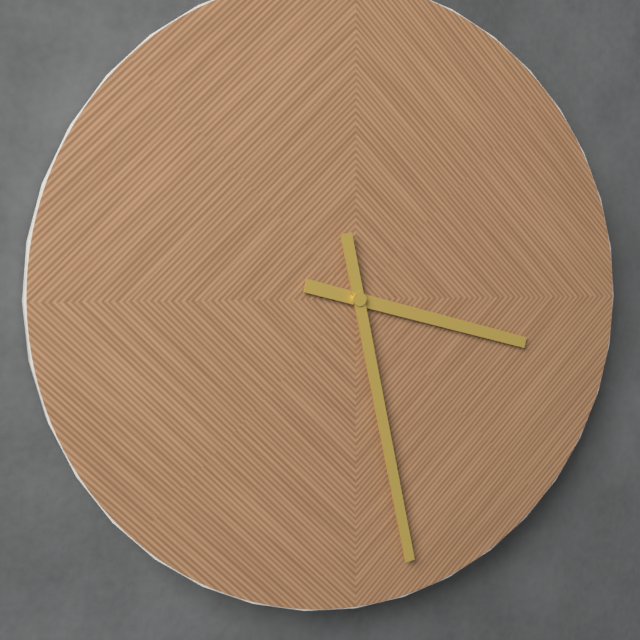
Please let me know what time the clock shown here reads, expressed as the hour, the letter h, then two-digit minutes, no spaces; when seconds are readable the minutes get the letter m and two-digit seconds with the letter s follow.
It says 3h28
